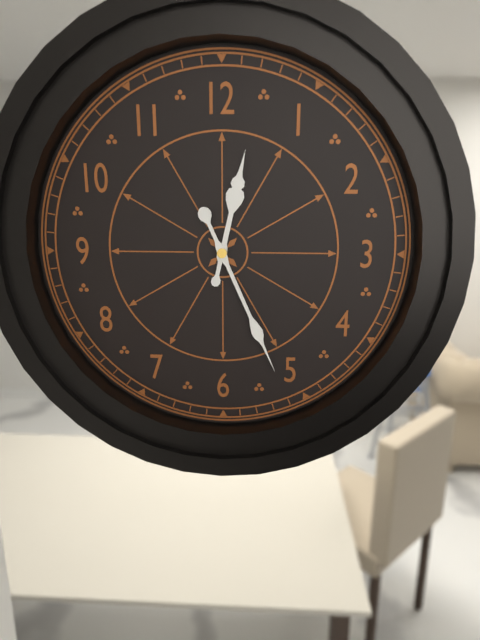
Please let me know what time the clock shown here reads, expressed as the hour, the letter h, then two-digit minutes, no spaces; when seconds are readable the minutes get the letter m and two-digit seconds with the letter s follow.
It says 12h26
